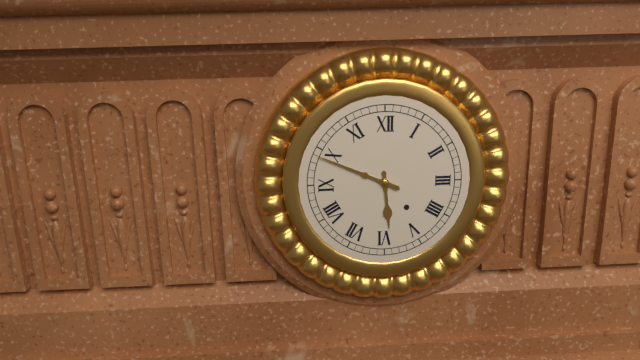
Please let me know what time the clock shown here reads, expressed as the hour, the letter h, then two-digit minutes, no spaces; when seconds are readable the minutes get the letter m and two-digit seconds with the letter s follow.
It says 5h49
